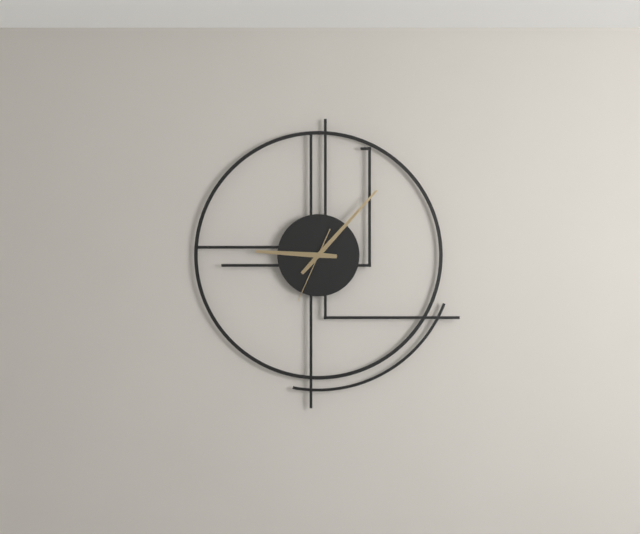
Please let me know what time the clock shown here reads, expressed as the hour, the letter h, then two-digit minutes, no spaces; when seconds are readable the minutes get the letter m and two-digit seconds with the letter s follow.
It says 9h07m34s
